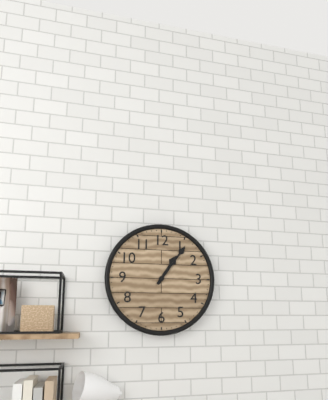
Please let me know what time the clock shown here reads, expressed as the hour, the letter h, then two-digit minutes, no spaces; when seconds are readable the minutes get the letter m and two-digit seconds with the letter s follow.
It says 1h06
